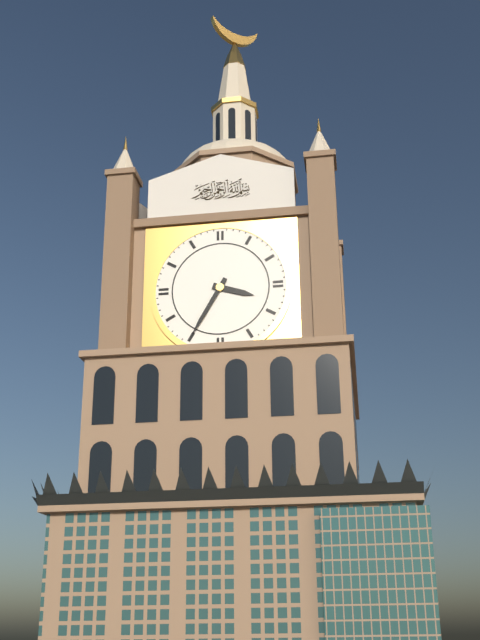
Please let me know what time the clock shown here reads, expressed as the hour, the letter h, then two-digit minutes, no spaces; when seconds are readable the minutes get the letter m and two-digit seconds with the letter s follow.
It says 3h35
